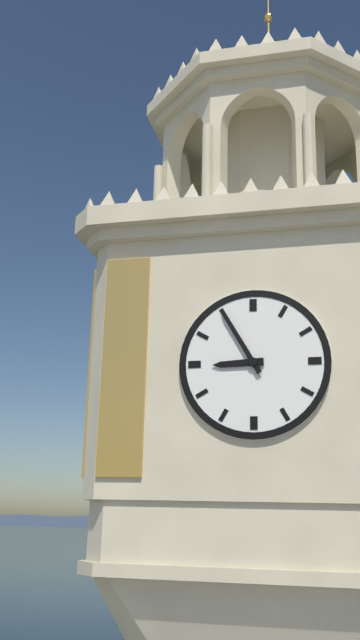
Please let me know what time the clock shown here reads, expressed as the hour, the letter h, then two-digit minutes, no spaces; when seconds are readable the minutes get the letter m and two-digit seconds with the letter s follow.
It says 8h55
